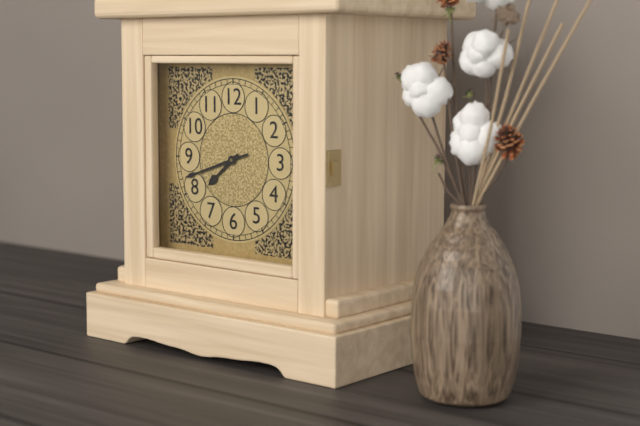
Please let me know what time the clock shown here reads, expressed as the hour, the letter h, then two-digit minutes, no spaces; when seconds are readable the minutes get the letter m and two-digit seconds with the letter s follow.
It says 7h42
